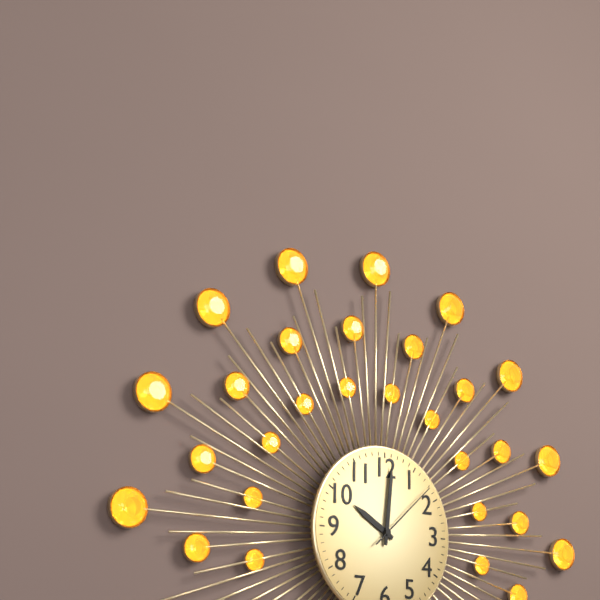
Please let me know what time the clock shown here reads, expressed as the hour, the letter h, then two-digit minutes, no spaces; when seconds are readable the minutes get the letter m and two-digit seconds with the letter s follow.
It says 10h01m08s
